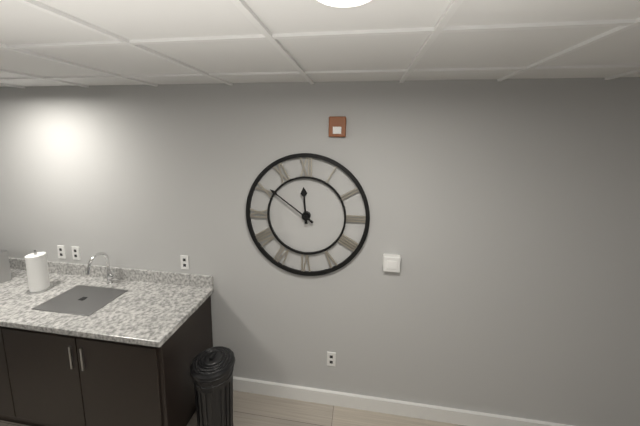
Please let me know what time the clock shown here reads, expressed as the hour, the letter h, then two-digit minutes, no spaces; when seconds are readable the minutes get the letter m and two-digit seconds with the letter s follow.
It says 11h51
